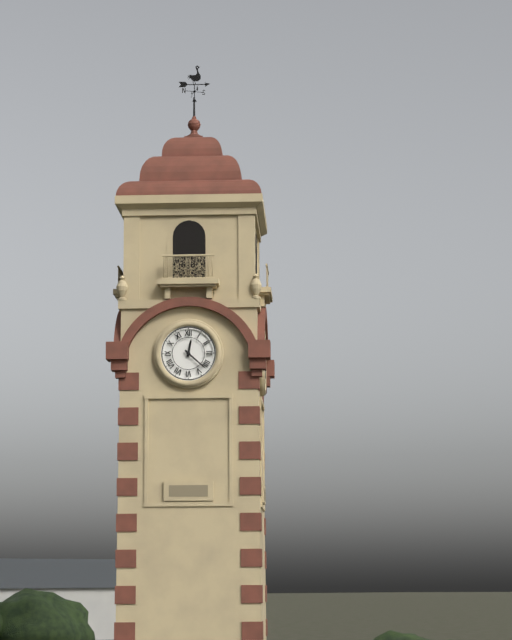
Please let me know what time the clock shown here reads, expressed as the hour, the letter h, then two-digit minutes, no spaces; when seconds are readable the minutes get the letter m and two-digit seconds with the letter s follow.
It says 12h22
